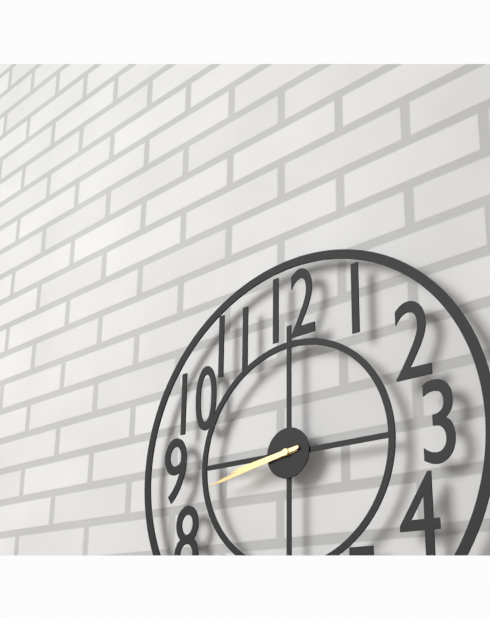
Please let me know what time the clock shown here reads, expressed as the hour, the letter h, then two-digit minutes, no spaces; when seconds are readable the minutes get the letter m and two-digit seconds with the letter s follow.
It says 8h43
